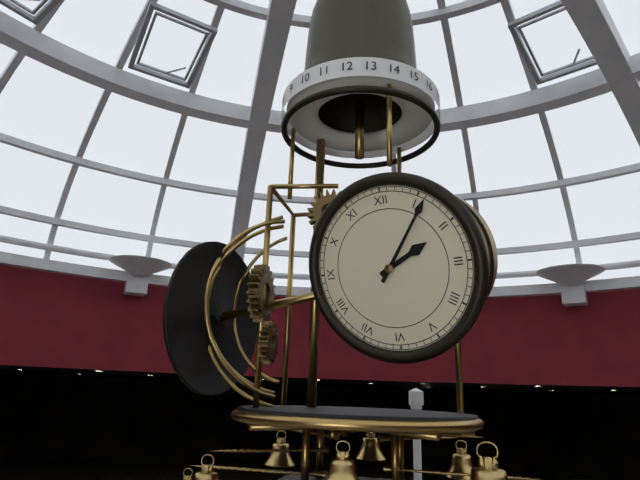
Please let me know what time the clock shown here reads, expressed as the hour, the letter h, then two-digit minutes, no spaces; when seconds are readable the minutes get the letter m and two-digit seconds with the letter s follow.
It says 2h06
